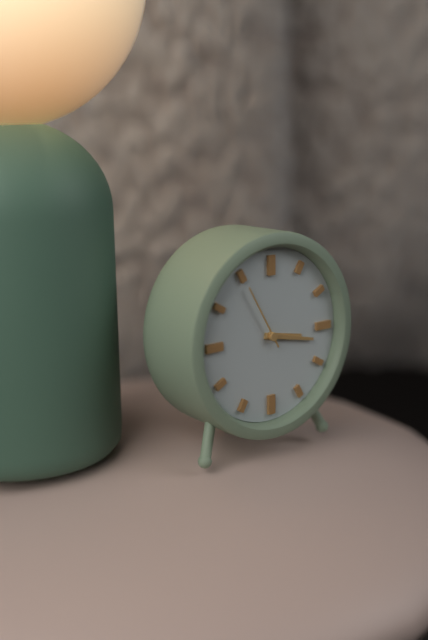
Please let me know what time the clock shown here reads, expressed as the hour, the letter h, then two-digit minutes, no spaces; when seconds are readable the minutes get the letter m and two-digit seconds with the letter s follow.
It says 3h17m55s
